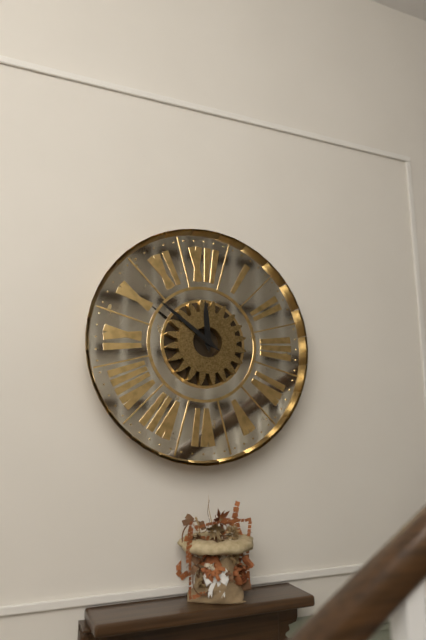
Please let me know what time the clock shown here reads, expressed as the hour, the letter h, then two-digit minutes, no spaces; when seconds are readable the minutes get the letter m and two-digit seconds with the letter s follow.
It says 11h51
